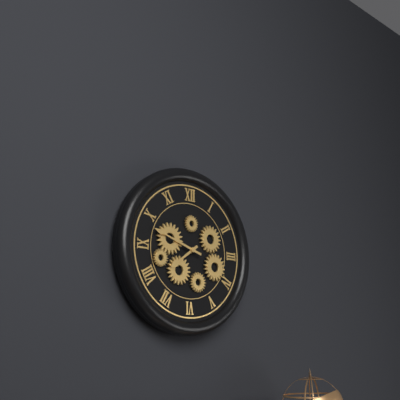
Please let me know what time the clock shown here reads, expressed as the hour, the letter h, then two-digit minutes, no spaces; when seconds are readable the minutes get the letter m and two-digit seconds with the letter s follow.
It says 7h48
